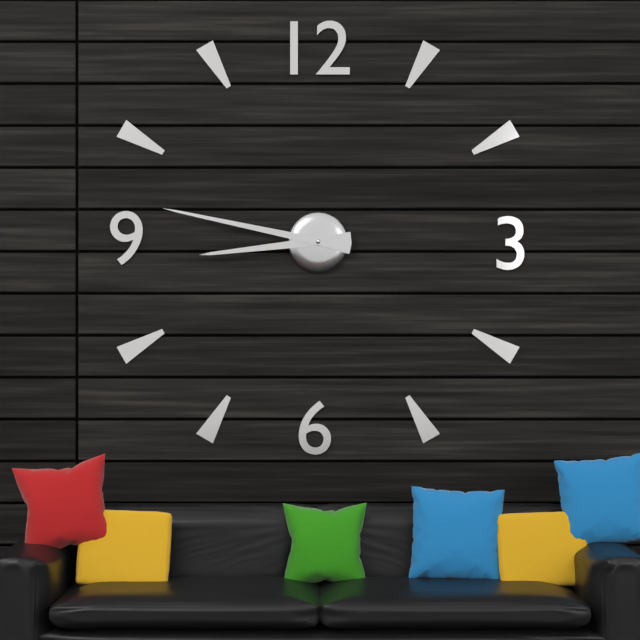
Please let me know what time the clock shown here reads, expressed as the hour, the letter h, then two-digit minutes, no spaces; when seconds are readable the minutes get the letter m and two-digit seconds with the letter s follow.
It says 8h47
